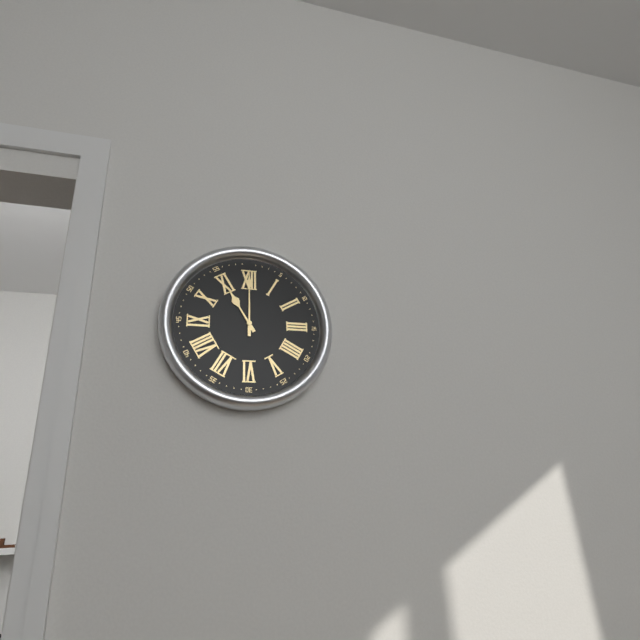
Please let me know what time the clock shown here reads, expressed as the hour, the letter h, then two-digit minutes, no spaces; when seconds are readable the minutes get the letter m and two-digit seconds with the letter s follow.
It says 11h00
